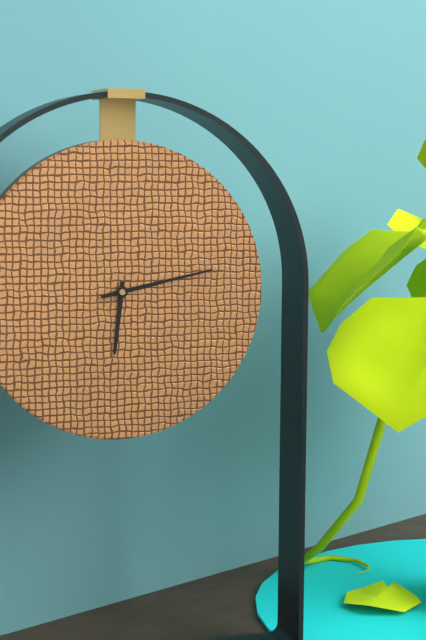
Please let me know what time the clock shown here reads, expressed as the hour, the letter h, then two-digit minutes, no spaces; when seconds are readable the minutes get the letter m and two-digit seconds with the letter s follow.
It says 6h13
